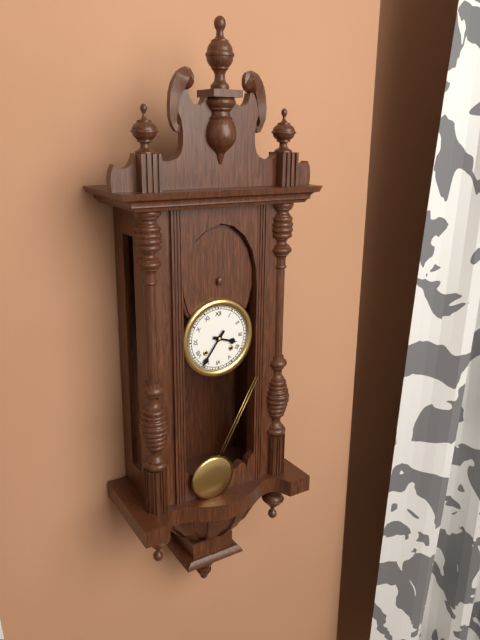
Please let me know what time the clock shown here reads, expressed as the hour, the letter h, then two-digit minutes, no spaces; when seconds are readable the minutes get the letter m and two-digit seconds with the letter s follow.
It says 3h36
